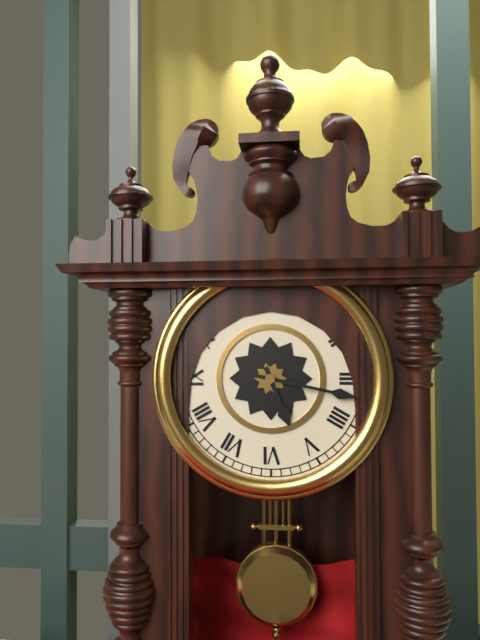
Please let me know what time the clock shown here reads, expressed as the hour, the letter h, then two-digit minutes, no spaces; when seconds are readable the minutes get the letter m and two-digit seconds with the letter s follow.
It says 5h17
